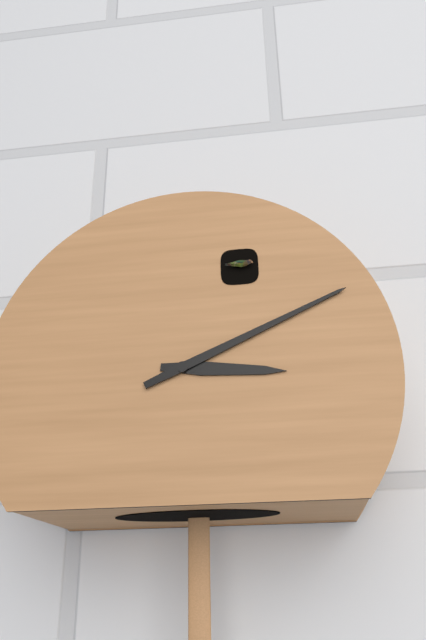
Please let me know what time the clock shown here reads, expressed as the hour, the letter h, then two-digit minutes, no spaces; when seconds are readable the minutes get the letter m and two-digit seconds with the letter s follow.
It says 3h11
